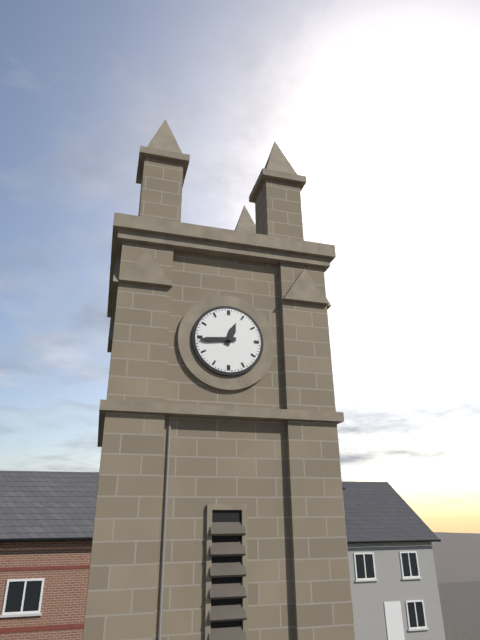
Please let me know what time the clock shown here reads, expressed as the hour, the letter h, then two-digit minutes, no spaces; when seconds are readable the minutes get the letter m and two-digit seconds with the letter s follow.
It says 12h44
